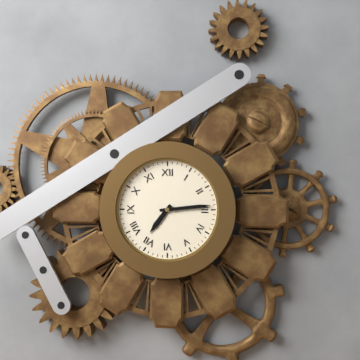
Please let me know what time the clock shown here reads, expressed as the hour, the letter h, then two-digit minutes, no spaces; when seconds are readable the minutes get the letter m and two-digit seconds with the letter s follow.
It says 7h14
